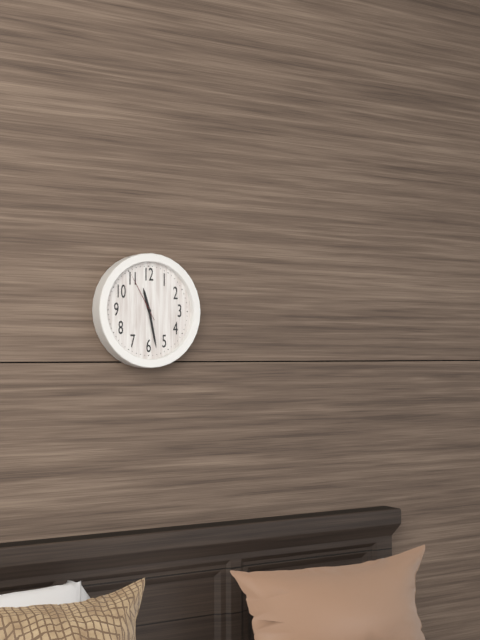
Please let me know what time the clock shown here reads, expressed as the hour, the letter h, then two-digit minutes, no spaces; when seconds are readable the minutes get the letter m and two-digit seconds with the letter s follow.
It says 11h28m55s
